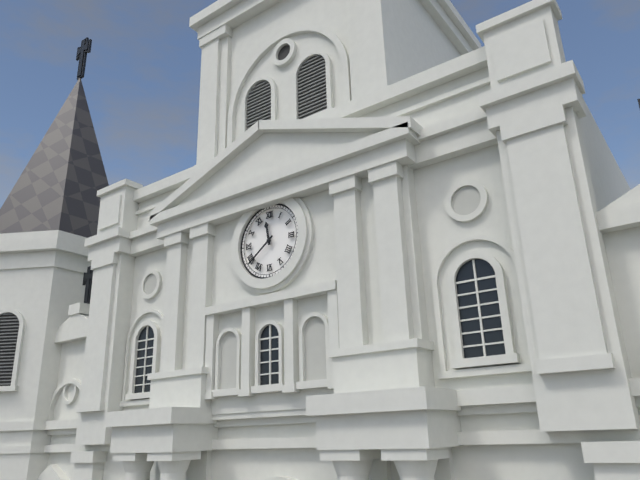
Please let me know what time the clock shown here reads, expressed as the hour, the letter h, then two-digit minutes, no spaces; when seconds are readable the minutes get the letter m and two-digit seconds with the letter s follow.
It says 11h39
